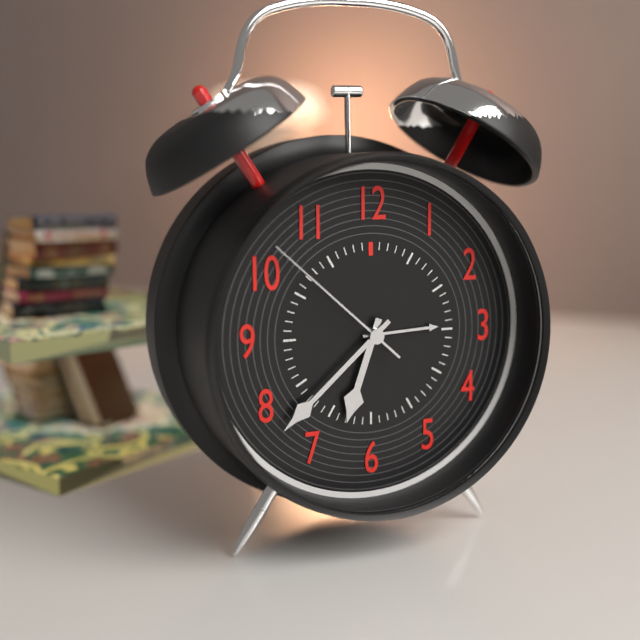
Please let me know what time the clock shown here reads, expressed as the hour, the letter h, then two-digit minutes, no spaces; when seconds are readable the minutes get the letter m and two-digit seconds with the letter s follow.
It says 6h38m52s
